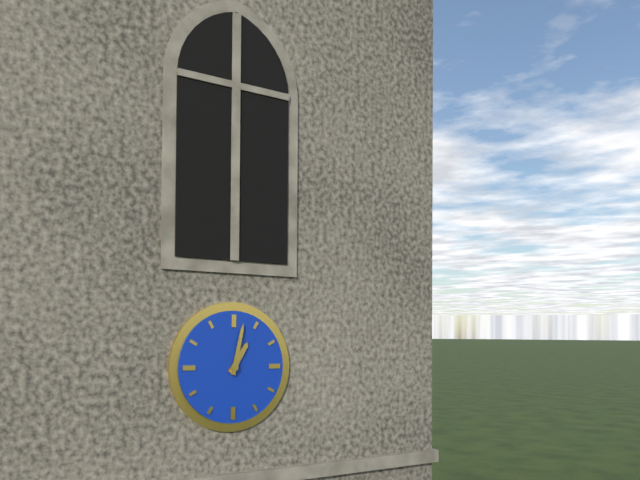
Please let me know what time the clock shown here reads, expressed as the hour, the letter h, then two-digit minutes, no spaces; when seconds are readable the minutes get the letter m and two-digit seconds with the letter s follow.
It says 1h02
